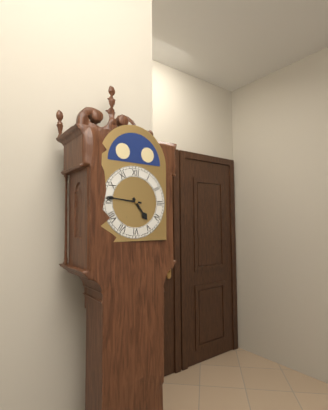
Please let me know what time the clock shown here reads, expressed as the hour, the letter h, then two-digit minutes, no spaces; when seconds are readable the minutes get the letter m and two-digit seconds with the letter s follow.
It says 4h46
